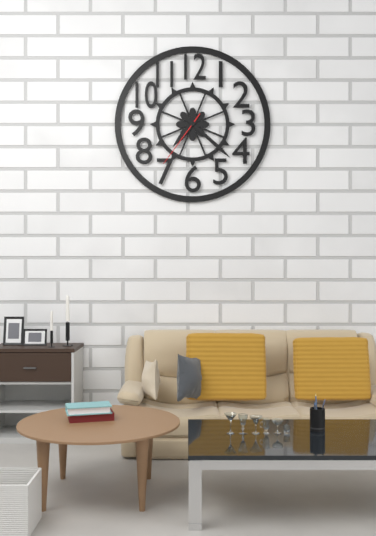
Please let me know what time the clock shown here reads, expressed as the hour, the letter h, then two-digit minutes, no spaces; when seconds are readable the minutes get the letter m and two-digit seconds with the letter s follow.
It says 7h22m36s
